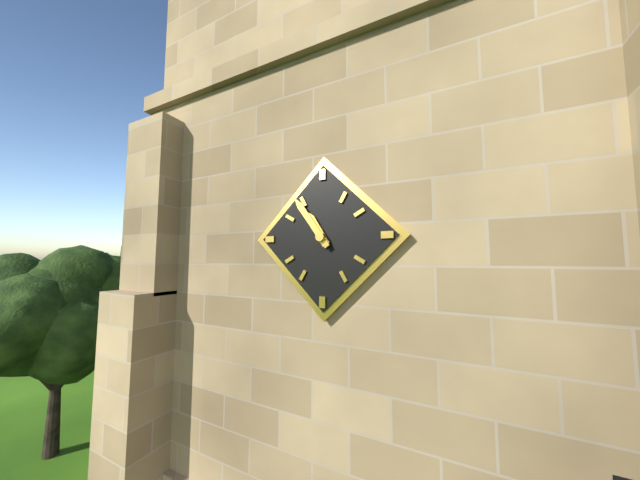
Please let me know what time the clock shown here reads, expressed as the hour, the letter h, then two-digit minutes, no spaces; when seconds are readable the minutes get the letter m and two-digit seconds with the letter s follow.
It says 10h54
